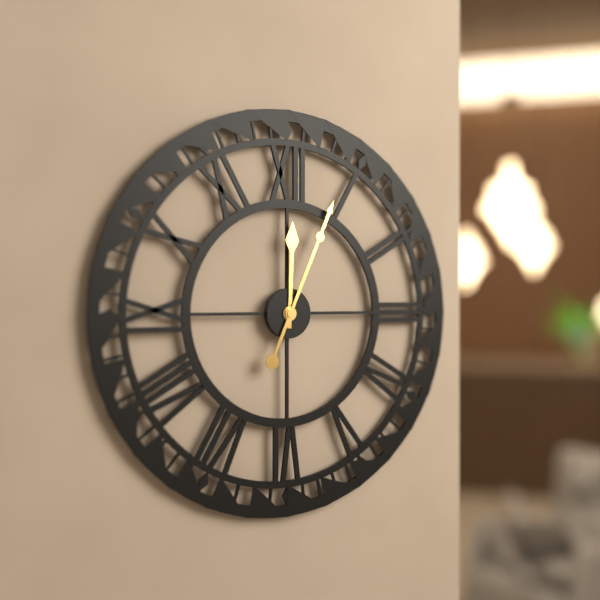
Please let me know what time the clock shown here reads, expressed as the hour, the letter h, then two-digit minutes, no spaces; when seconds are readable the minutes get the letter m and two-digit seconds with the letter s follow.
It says 12h04
